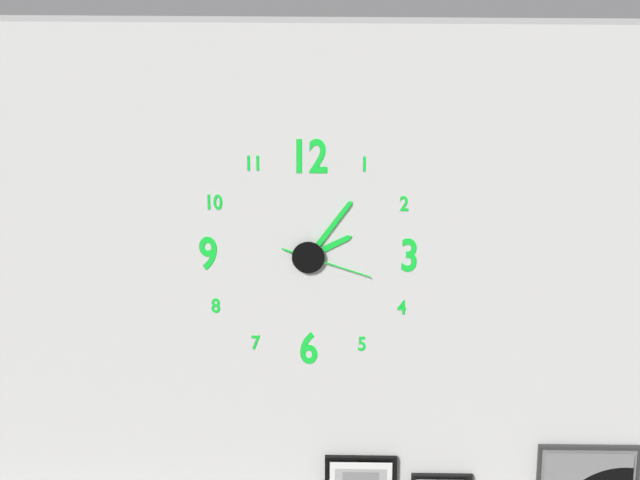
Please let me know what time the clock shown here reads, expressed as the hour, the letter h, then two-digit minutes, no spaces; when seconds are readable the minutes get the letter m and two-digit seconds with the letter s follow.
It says 2h06m18s
